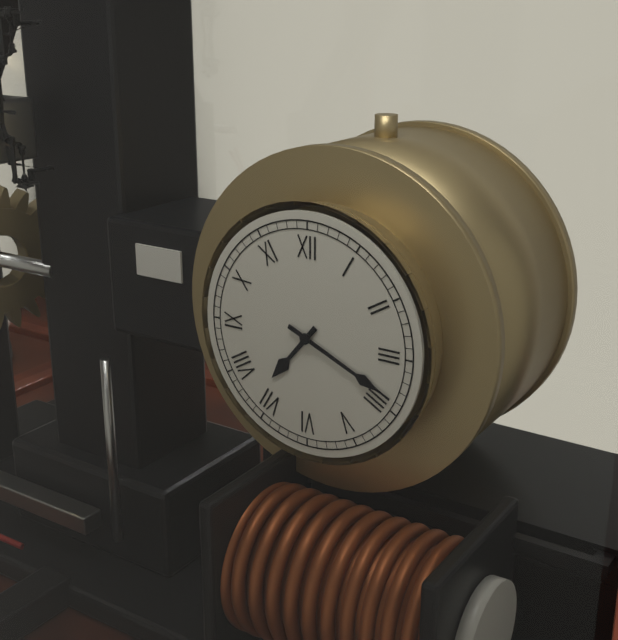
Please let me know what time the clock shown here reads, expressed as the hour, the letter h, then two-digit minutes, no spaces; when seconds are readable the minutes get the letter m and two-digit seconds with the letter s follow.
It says 7h19
